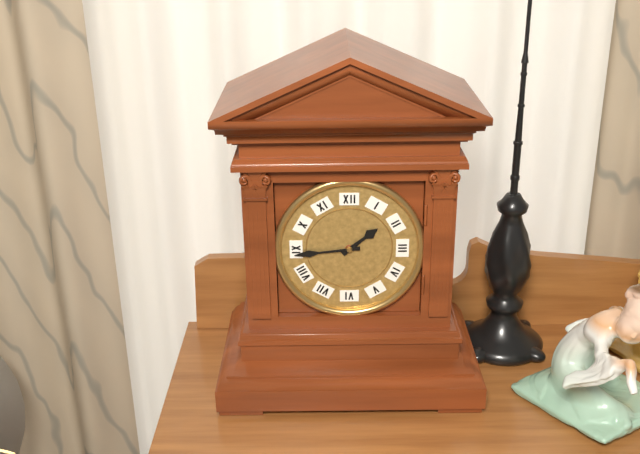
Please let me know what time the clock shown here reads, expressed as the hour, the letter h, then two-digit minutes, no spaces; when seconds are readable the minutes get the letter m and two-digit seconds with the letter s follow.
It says 1h44
